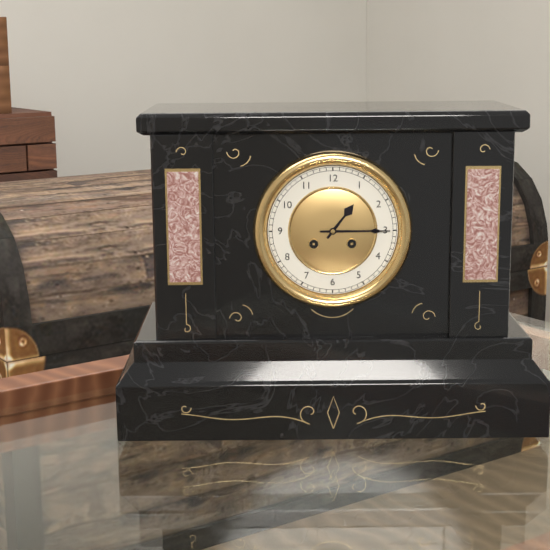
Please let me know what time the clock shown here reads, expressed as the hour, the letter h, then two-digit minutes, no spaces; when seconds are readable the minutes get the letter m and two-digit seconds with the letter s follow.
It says 1h15
